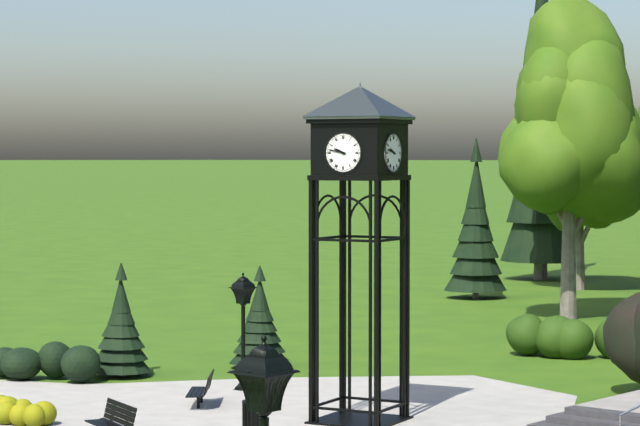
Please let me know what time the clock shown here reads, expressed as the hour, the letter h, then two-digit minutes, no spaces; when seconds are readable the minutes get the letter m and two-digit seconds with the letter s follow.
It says 9h47
